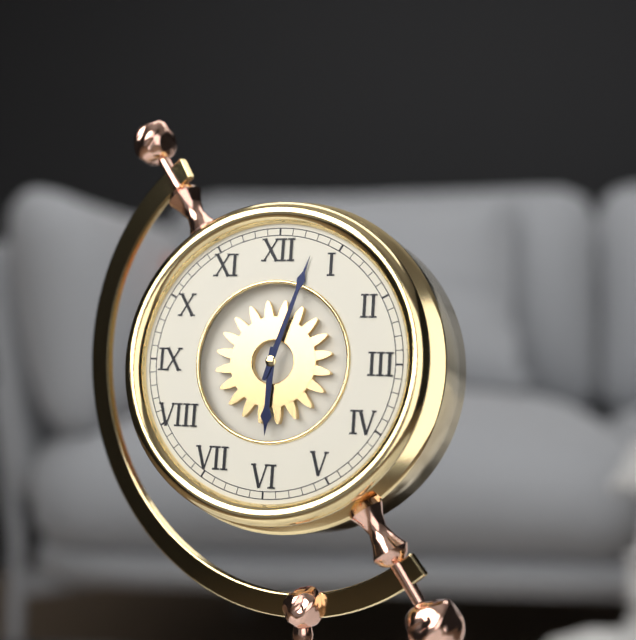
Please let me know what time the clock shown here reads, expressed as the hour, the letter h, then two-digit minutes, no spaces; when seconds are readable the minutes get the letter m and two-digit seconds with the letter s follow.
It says 6h03
